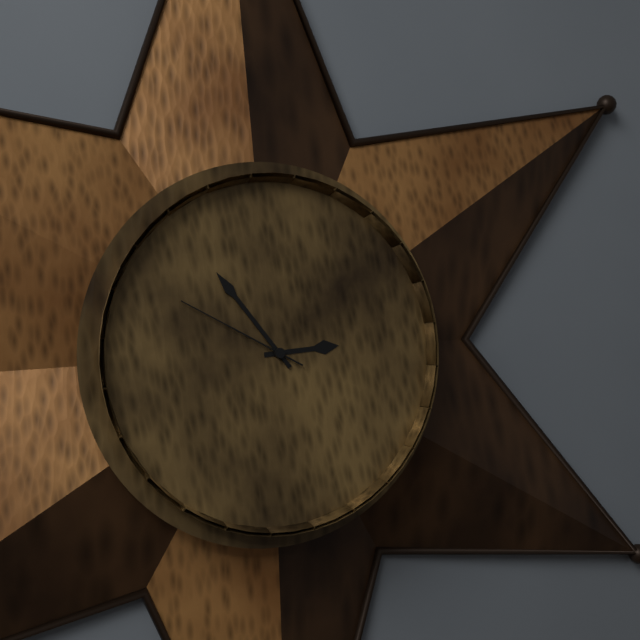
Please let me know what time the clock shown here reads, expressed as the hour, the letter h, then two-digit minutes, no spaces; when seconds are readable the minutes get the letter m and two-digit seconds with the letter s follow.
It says 2h54m50s
